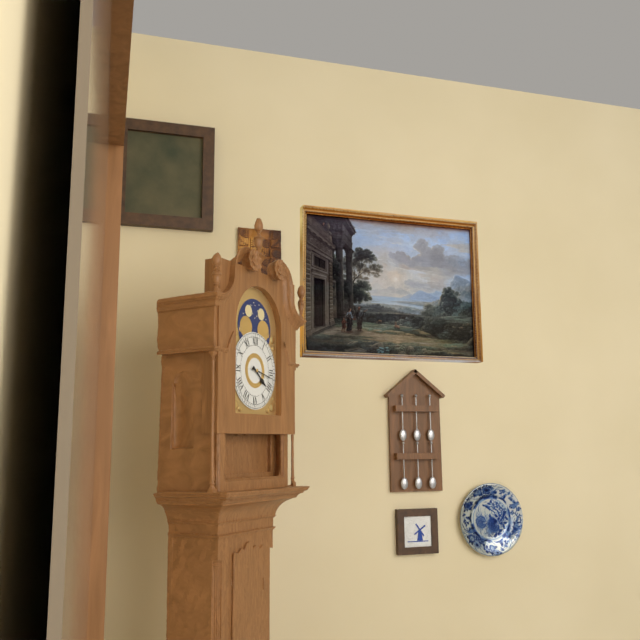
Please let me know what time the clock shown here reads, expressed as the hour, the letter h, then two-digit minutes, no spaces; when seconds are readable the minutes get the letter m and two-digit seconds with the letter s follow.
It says 4h17
